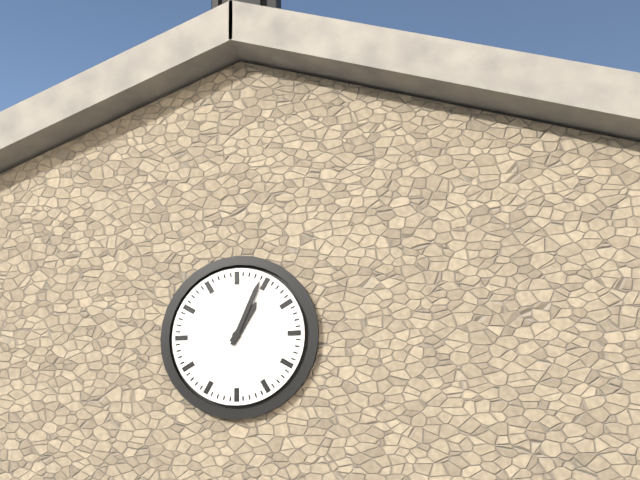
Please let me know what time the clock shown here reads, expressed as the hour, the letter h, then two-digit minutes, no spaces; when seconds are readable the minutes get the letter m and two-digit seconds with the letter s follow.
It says 1h04
